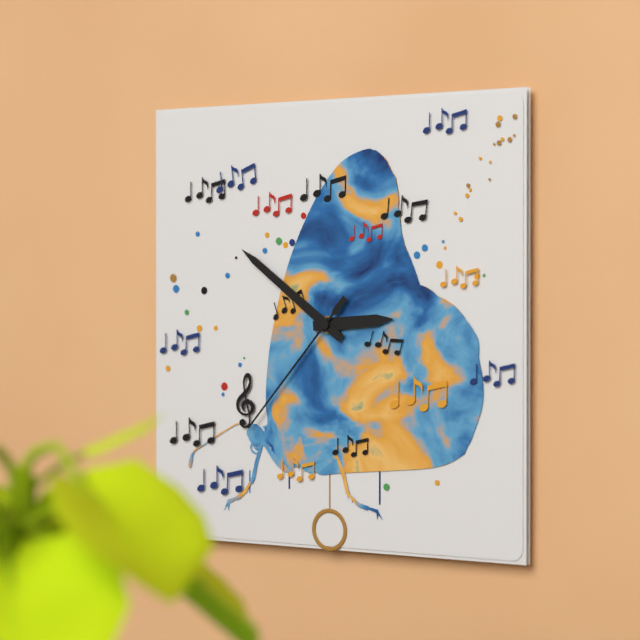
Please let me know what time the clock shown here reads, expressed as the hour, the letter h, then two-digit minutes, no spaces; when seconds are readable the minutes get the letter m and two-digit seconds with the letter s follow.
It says 2h51m37s
